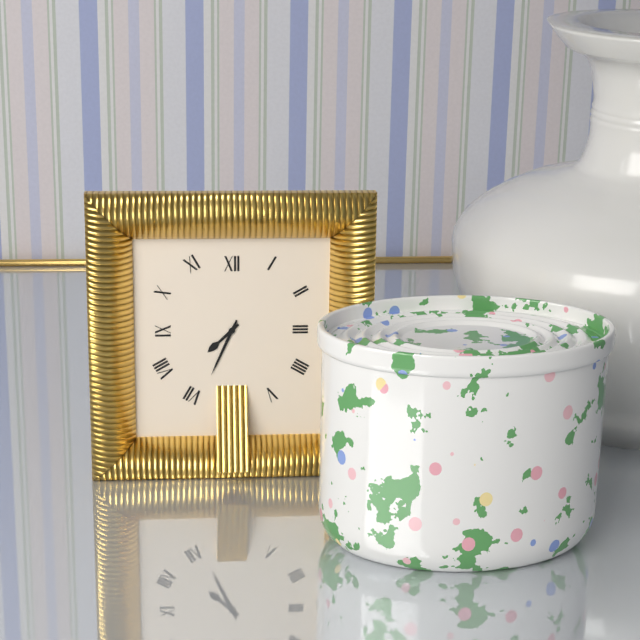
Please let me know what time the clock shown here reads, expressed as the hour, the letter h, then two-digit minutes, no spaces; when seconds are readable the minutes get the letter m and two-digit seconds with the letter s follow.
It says 7h34
